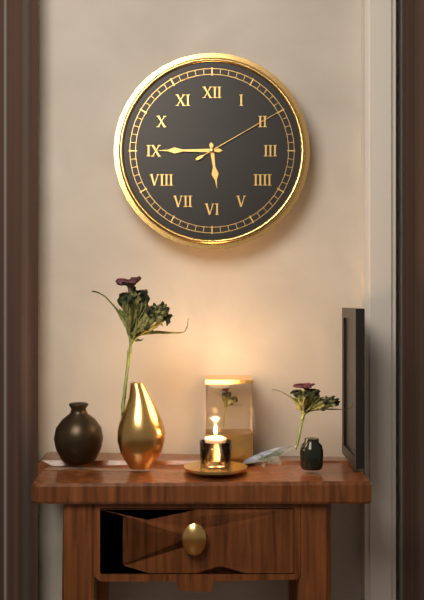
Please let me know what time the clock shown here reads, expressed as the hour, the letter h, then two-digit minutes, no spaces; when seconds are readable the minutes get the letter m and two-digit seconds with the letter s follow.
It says 5h45m10s
